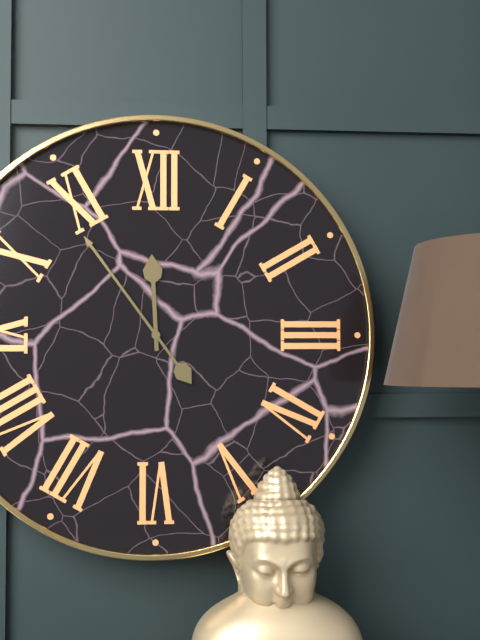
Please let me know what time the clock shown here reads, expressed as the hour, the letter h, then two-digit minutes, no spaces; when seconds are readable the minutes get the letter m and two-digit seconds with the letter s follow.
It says 11h54
